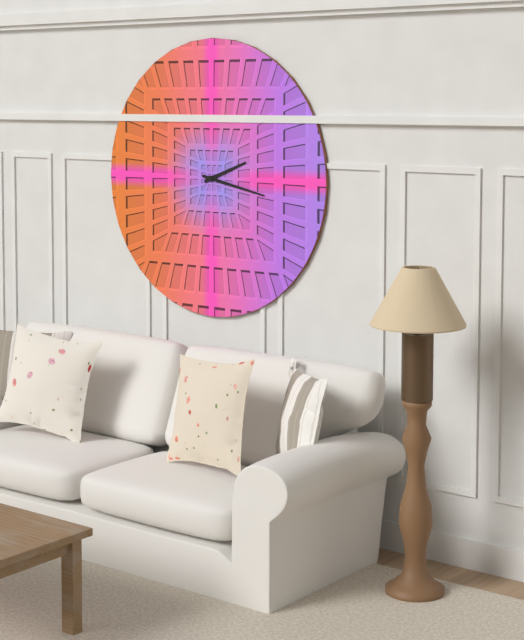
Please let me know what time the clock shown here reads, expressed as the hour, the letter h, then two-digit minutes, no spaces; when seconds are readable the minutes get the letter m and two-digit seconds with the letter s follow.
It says 2h17
